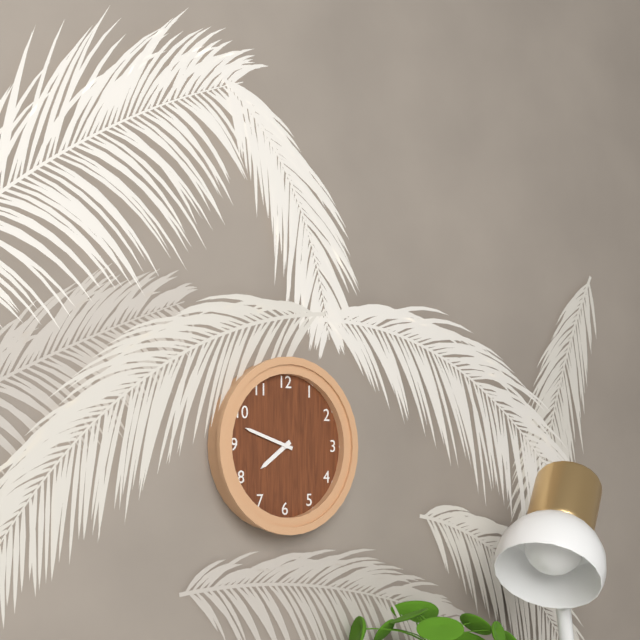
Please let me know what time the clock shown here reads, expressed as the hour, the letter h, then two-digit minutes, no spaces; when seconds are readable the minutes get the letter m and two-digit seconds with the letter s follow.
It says 7h48
